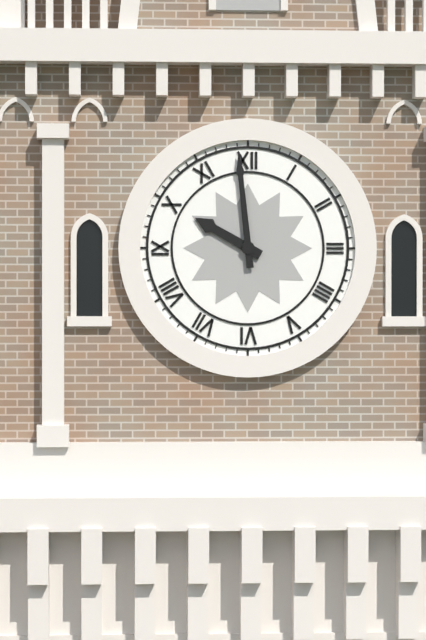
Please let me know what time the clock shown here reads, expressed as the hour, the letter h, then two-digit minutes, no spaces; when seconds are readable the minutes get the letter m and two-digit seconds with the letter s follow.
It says 9h59
